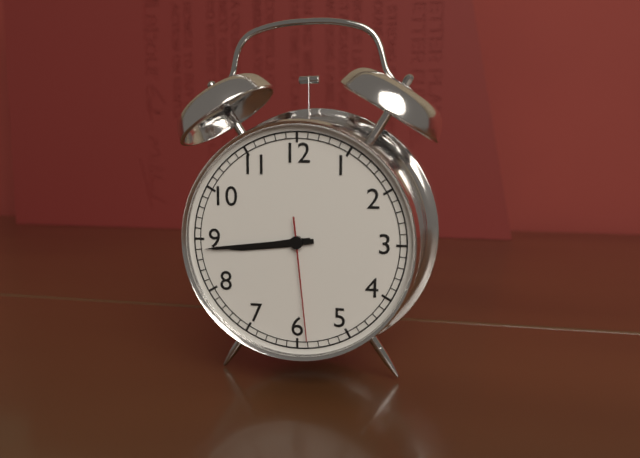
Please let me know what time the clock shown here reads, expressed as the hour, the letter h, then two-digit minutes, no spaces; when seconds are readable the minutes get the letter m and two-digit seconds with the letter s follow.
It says 8h44m29s
